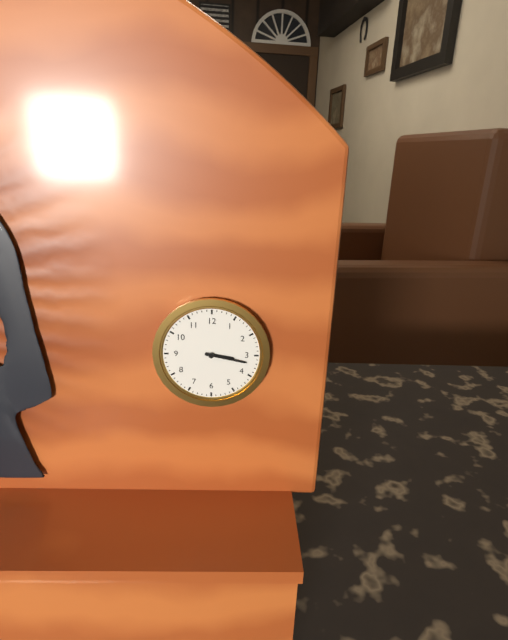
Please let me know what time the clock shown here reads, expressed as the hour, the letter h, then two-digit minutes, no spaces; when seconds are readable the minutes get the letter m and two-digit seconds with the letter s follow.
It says 3h17
